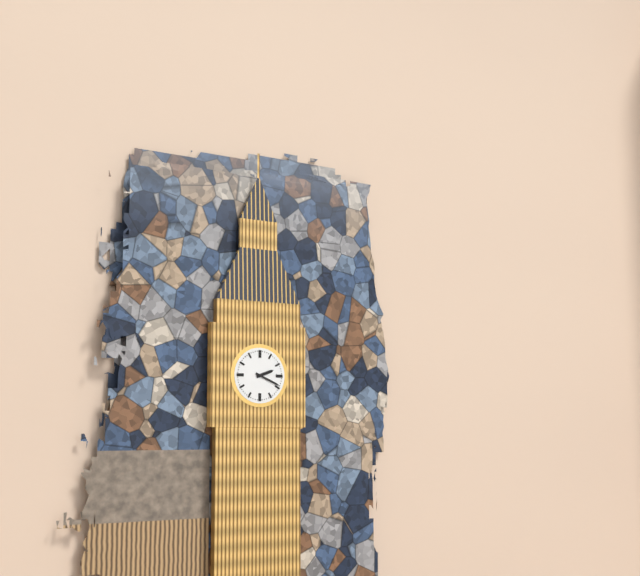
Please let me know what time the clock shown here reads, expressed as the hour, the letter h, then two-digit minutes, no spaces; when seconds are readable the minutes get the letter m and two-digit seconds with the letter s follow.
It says 2h19
